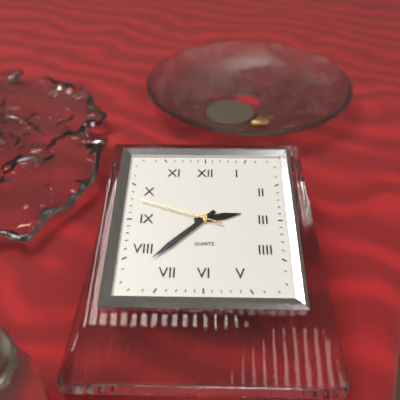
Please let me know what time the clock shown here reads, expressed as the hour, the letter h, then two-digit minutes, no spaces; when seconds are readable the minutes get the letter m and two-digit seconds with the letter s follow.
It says 2h38m48s
